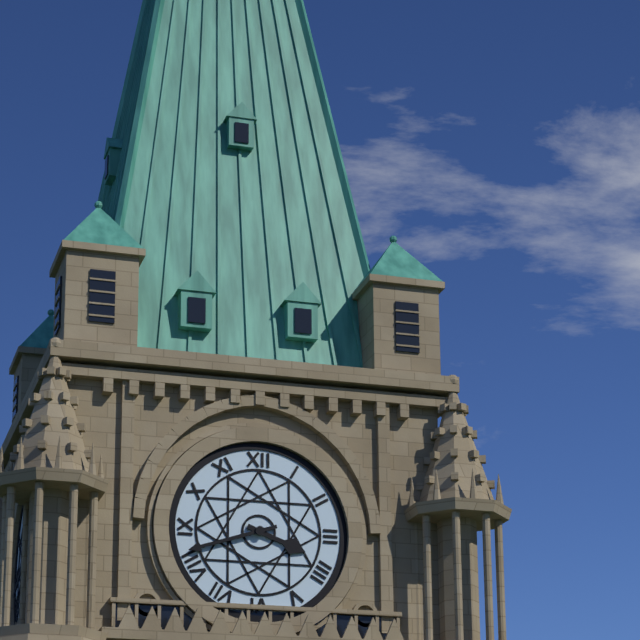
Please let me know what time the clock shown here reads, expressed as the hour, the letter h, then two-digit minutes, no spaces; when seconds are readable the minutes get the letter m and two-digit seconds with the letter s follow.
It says 3h42
